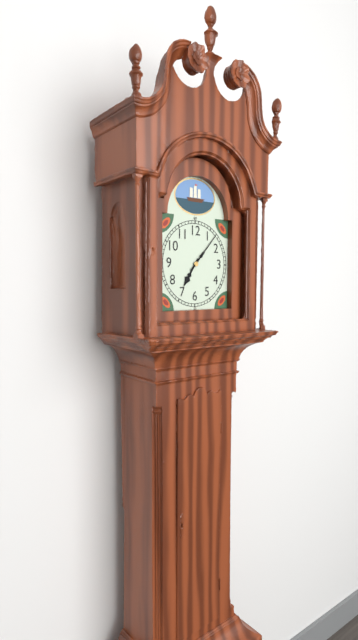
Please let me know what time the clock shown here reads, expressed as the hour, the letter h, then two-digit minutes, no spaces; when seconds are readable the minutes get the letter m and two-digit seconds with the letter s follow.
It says 7h07
